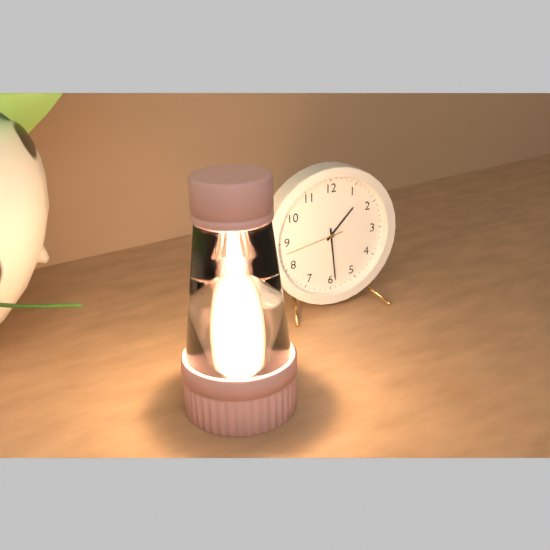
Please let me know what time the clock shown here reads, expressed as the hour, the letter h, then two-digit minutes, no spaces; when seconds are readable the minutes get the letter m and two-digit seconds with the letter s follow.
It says 1h29m43s
